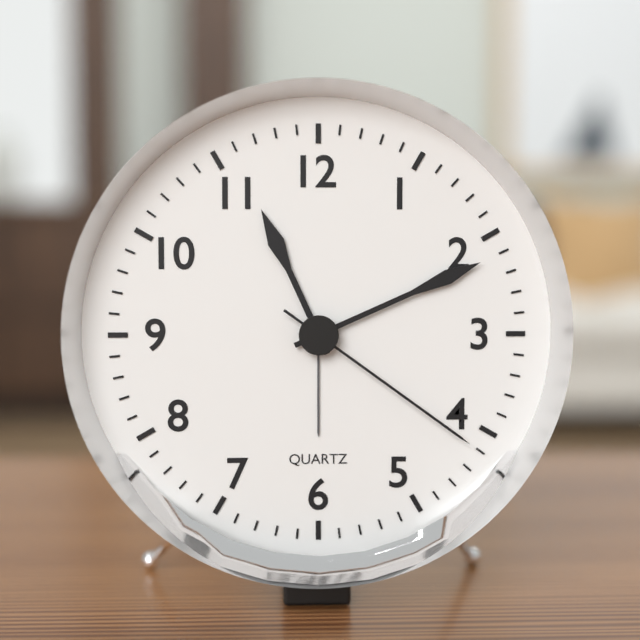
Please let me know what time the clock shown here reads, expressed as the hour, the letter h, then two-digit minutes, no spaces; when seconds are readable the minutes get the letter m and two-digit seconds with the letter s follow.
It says 11h11m21s
